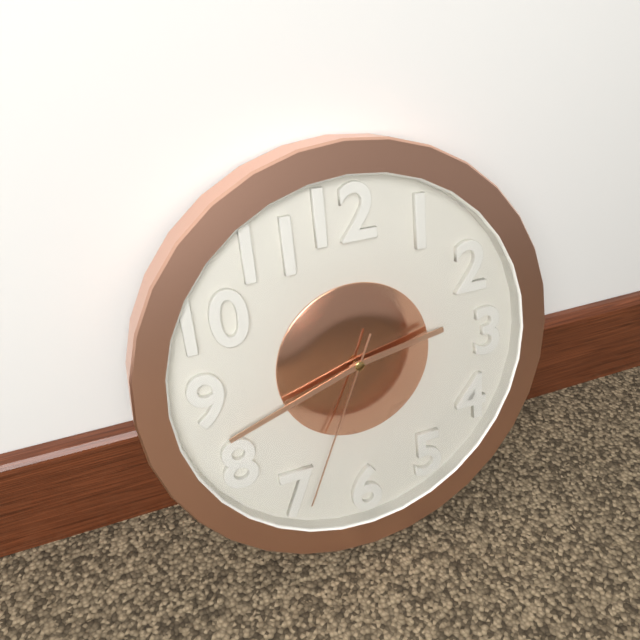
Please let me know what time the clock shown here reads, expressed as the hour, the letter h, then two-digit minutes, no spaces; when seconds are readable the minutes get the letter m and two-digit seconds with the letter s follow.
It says 2h42m34s
